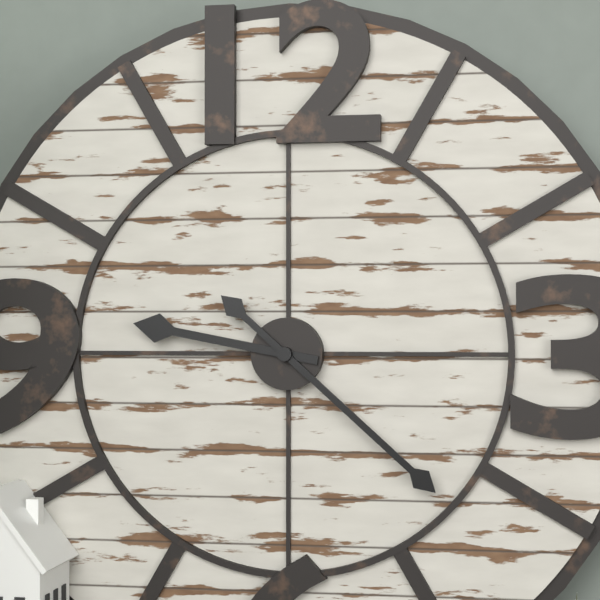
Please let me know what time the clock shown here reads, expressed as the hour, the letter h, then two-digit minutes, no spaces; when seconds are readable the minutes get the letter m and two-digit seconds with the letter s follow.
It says 9h22
